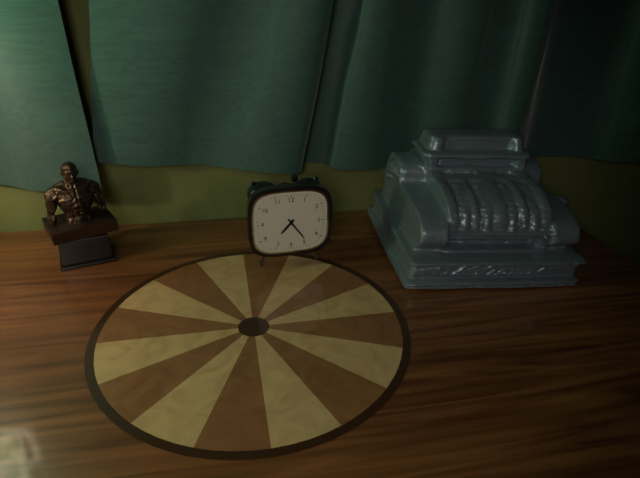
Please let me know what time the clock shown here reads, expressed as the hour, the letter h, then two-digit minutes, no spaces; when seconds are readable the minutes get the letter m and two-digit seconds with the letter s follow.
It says 7h24
